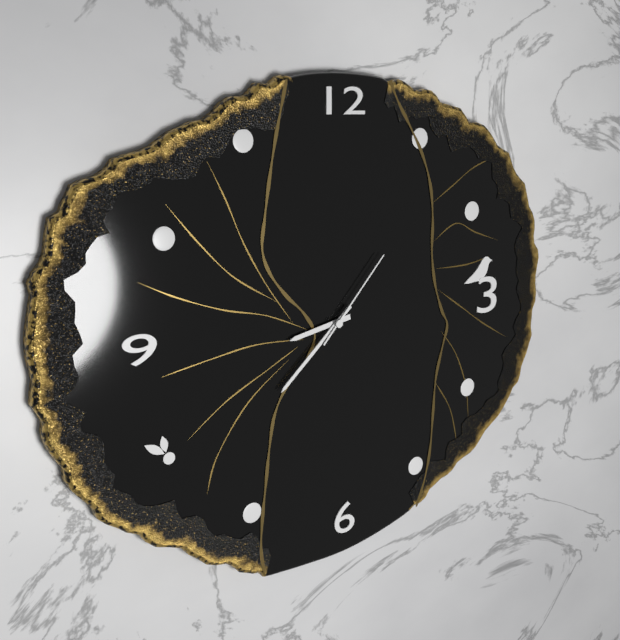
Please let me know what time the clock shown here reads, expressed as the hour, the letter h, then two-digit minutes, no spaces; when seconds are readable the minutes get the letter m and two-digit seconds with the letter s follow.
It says 8h38m07s
